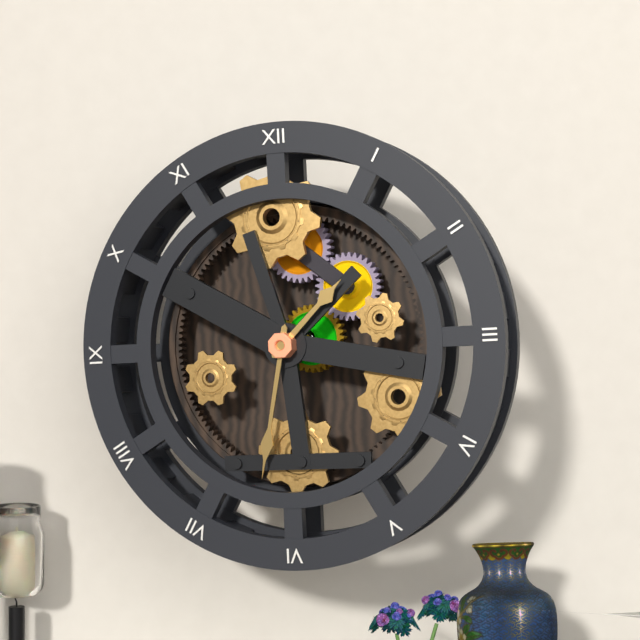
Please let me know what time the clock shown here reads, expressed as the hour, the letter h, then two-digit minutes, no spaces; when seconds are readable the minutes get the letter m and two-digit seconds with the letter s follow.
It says 1h32
